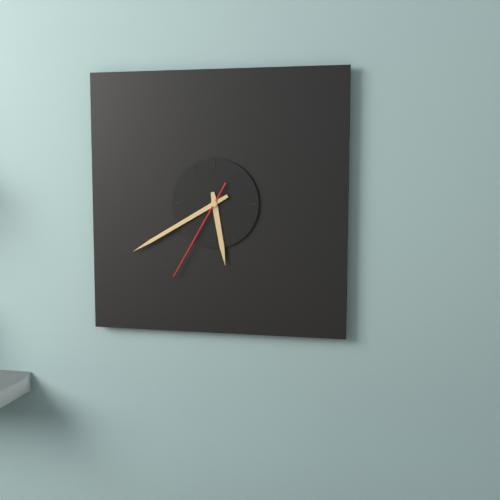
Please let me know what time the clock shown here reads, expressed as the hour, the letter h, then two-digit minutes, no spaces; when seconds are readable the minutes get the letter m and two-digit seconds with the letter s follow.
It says 5h40m35s
